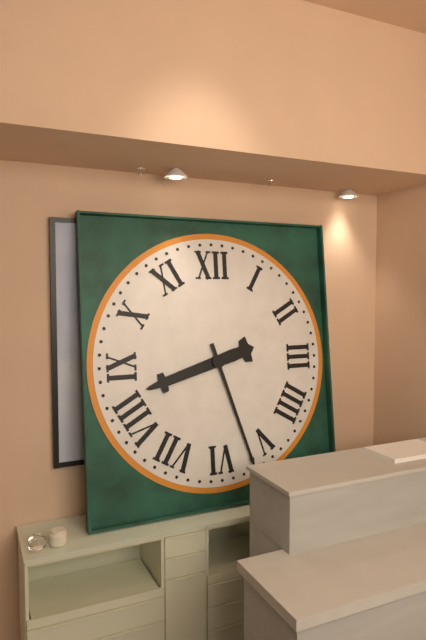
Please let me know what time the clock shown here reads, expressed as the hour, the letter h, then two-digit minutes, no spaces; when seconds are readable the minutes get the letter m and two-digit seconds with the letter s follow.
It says 8h27
